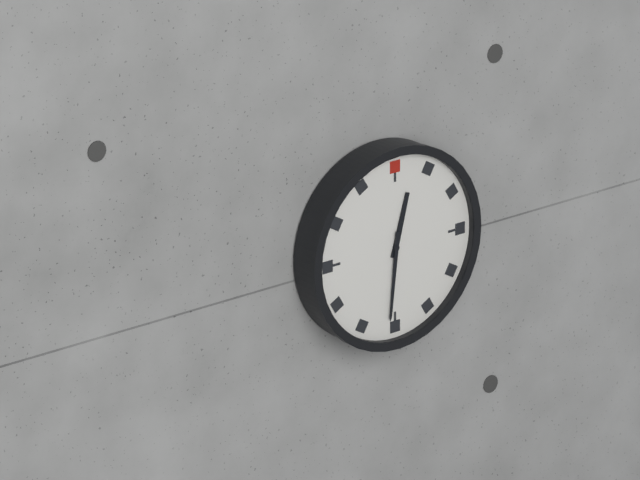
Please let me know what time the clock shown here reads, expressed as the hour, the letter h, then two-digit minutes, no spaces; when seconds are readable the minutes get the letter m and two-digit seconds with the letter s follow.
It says 12h31
